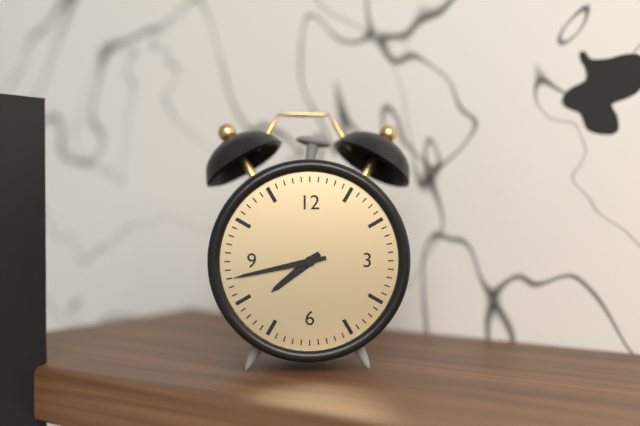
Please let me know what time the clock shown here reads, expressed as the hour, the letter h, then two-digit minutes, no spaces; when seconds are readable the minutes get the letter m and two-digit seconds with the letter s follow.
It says 7h43
